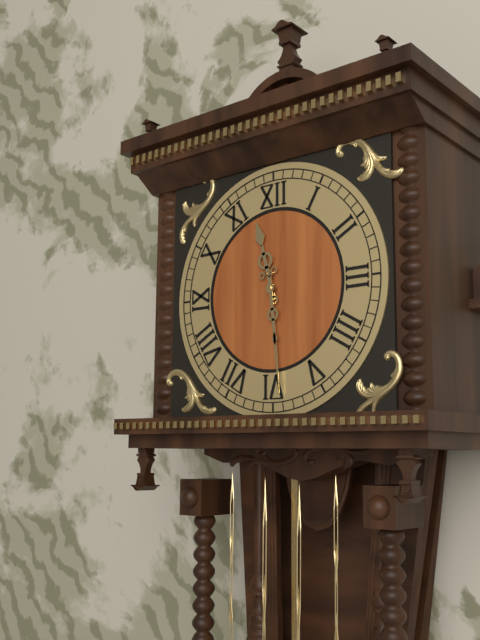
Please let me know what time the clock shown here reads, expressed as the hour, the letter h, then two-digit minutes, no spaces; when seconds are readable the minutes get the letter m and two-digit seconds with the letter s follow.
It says 11h29
